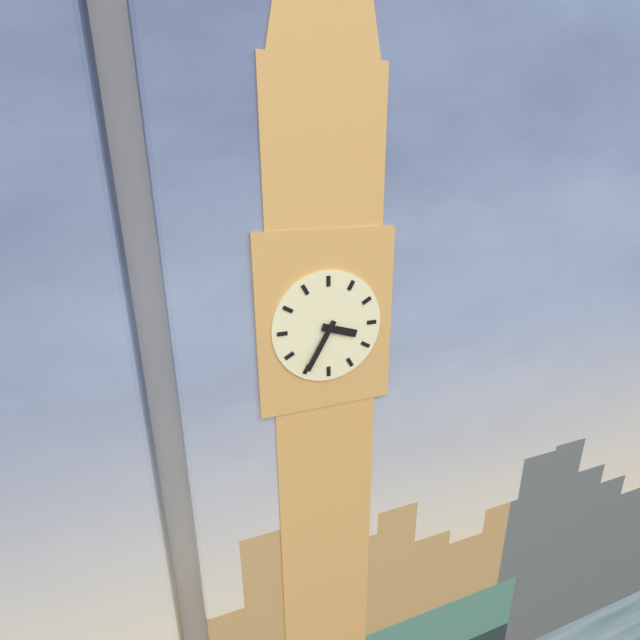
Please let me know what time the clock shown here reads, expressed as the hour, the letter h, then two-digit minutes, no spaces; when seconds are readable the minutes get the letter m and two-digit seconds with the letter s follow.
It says 3h35
